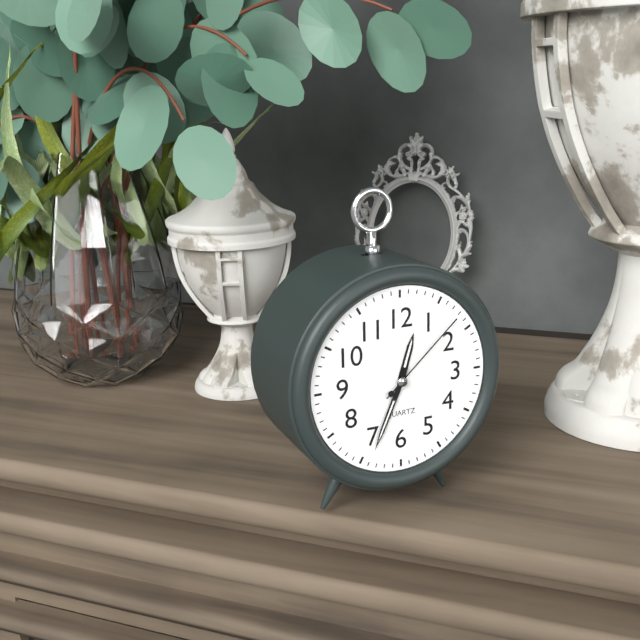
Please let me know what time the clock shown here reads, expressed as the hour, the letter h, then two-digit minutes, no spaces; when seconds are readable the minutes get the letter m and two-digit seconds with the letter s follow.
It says 12h34m08s
